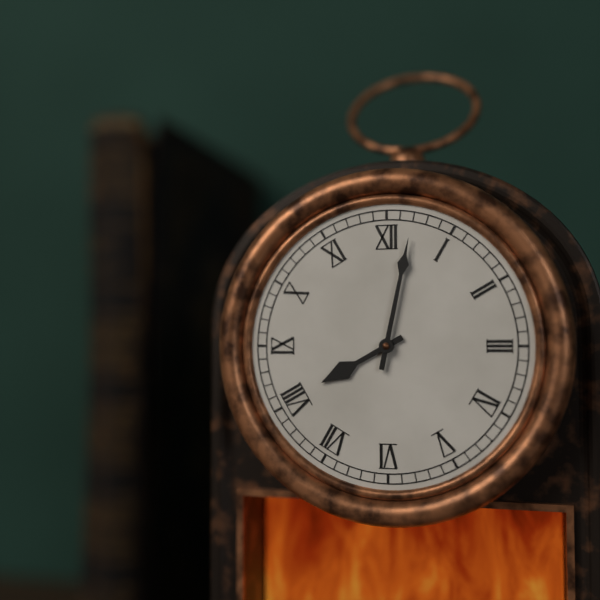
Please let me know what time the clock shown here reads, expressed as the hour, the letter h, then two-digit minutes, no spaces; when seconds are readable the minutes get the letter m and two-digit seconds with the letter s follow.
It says 8h02
